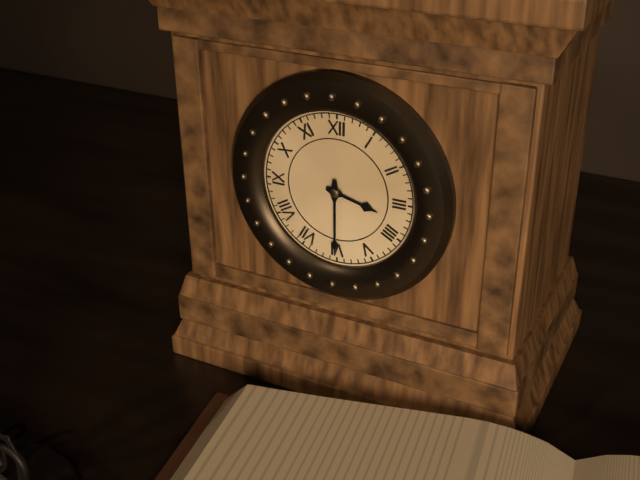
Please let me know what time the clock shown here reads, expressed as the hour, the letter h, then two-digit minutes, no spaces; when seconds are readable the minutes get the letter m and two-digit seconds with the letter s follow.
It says 3h30
